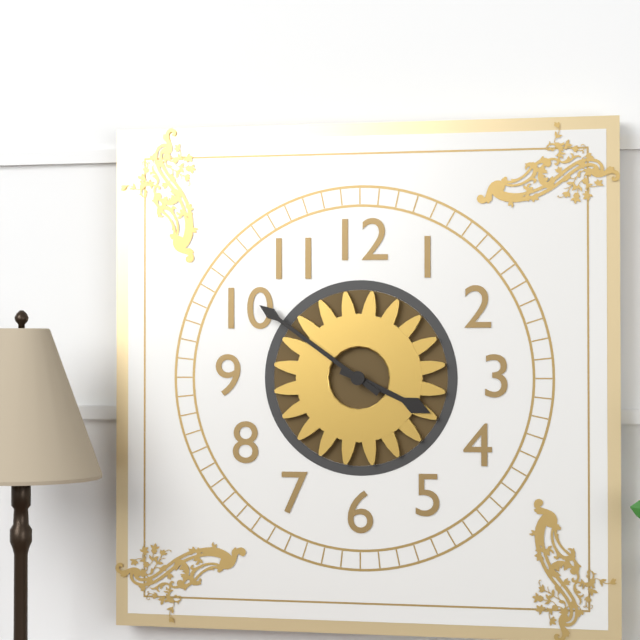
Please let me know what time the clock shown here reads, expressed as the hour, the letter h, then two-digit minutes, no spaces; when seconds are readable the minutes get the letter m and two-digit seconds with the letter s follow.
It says 3h51
